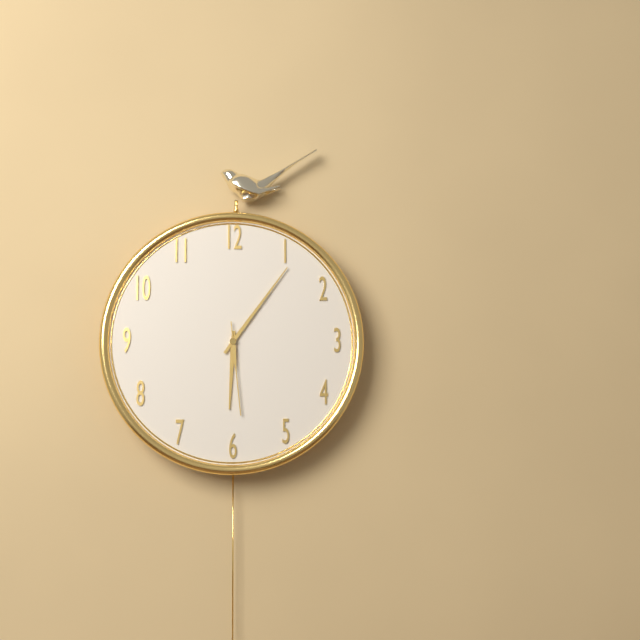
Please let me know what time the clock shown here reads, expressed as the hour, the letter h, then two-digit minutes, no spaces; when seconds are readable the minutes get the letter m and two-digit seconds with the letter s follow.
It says 6h06m29s
